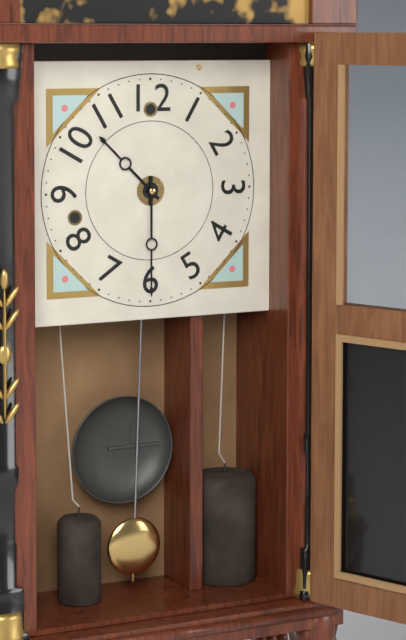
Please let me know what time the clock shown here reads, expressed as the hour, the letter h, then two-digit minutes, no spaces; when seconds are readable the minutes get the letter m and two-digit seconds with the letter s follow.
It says 10h30
